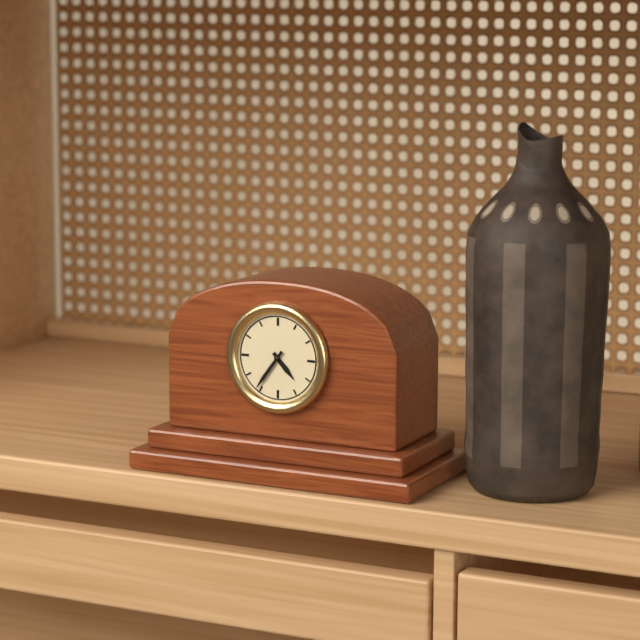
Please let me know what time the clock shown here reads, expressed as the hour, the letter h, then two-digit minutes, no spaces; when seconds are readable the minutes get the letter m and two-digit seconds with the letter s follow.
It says 4h36
